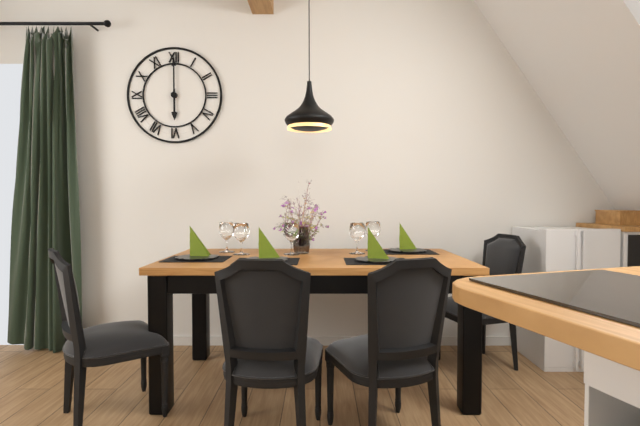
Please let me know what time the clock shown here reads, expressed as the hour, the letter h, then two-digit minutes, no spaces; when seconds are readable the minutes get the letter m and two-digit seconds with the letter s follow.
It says 6h00
